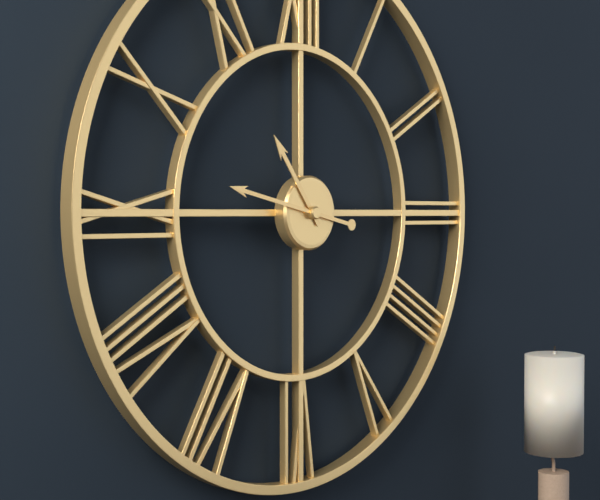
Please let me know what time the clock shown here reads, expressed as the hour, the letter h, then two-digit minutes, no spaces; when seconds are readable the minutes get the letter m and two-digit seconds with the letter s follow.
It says 10h47
